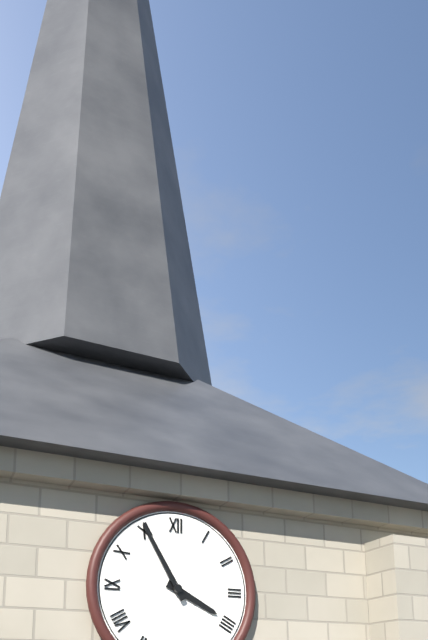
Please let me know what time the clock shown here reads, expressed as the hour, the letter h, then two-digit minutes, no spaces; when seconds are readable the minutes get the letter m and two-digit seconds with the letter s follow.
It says 3h55
